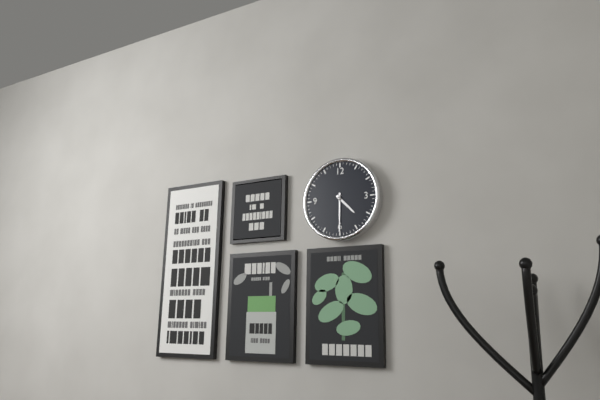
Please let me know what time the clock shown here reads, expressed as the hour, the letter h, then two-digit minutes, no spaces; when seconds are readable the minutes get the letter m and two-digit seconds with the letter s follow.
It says 4h30
